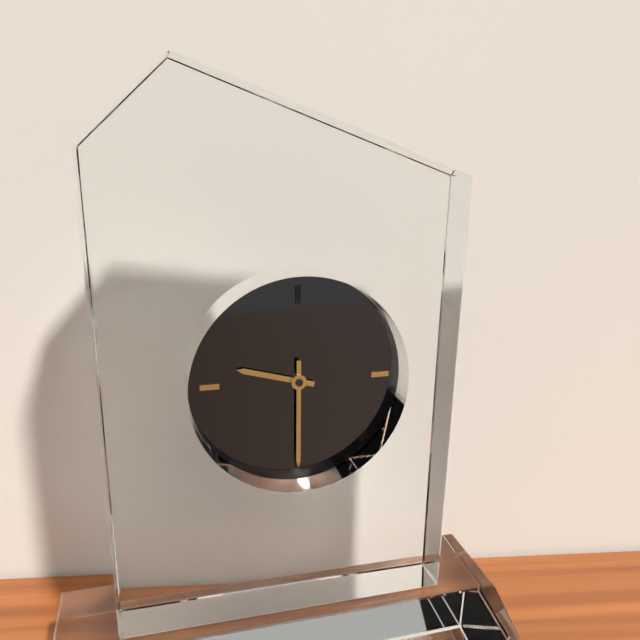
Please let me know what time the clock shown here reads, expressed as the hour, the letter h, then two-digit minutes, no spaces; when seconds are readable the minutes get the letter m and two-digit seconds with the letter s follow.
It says 9h30
